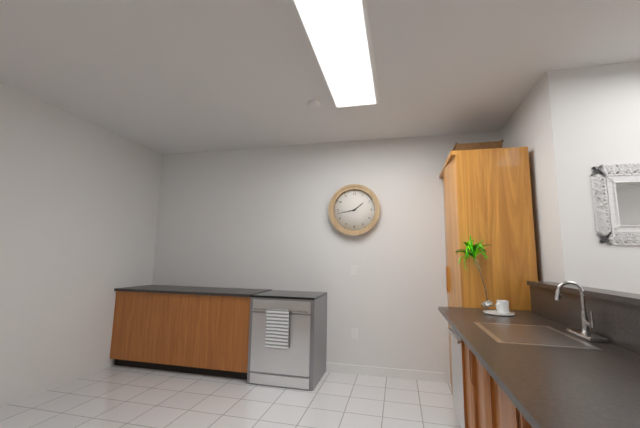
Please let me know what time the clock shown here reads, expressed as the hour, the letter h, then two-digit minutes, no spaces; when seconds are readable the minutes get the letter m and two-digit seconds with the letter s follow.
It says 1h43
